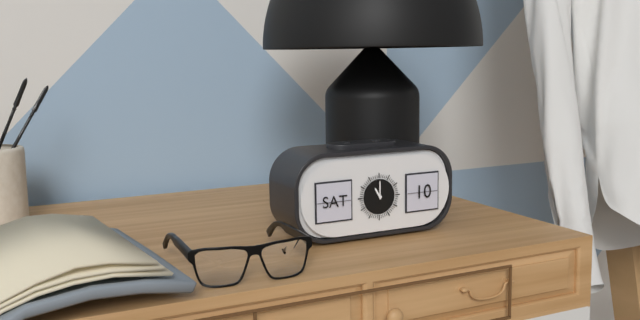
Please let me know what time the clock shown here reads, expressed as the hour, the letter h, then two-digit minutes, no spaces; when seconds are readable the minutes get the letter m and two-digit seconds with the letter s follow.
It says 11h00
